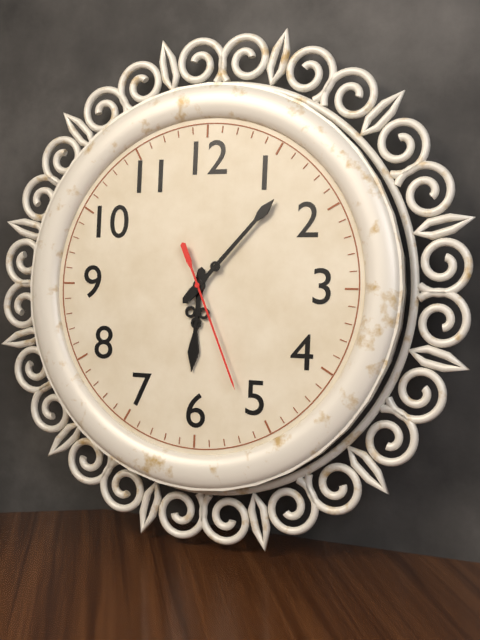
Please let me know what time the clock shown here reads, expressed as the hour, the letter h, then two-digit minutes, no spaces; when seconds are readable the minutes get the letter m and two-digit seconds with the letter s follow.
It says 6h07m26s
